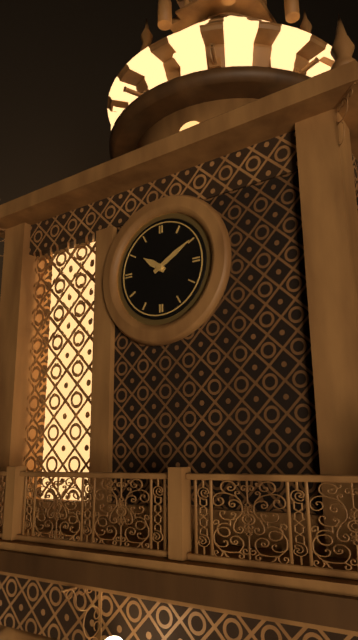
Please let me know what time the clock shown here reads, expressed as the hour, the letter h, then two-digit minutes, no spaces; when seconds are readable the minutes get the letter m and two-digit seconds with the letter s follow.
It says 10h10
